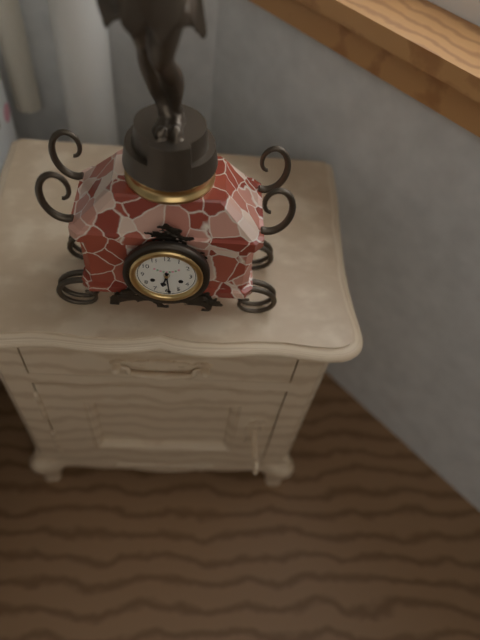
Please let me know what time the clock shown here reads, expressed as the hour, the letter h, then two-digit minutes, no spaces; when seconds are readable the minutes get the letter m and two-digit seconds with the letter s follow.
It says 6h29
